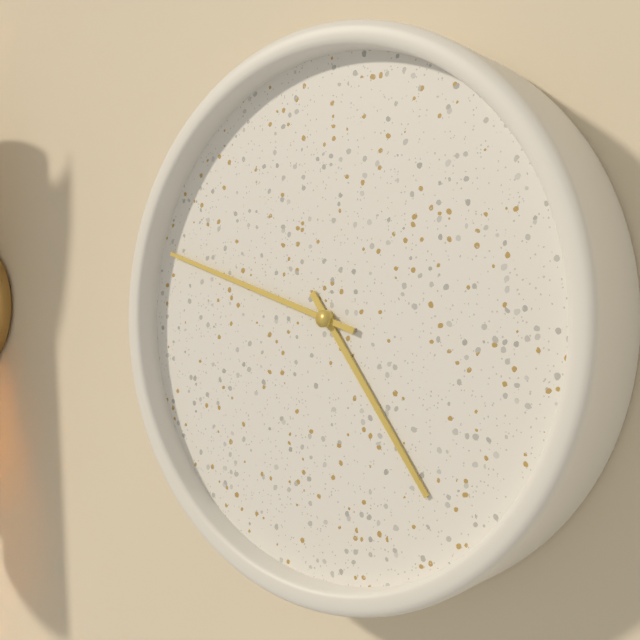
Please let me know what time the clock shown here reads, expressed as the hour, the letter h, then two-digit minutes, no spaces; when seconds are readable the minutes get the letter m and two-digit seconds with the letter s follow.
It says 4h48
